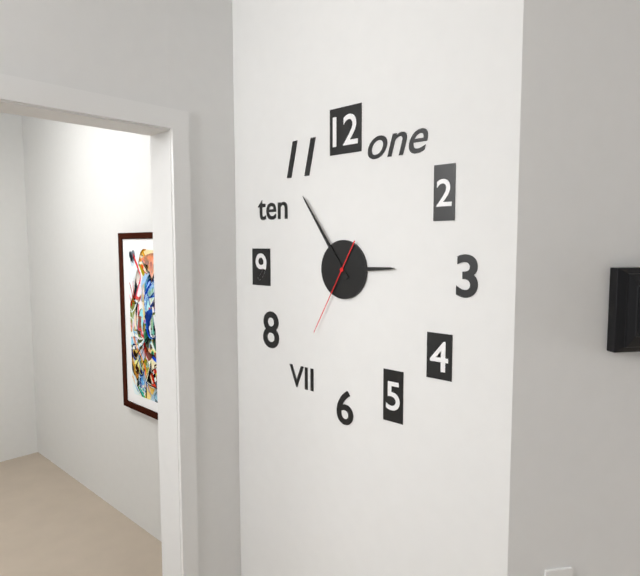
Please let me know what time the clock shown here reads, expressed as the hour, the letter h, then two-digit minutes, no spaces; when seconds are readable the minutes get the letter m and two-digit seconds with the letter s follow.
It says 2h54m35s
